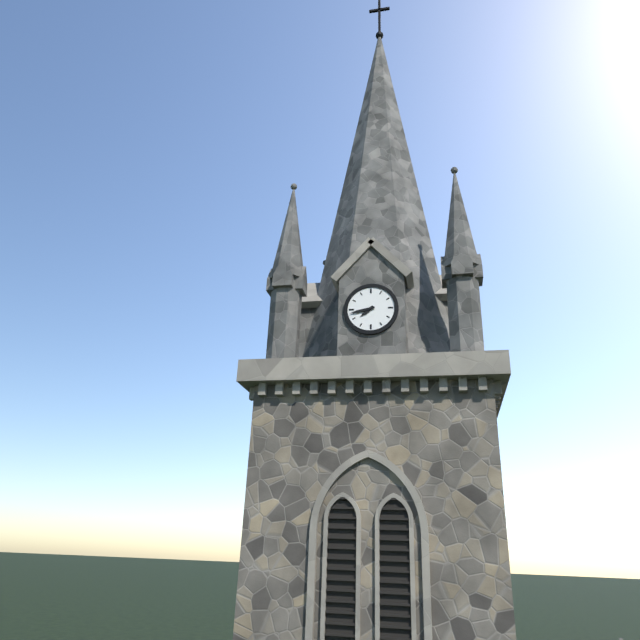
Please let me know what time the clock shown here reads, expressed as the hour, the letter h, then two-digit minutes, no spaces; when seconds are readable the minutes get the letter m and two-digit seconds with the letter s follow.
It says 7h43
